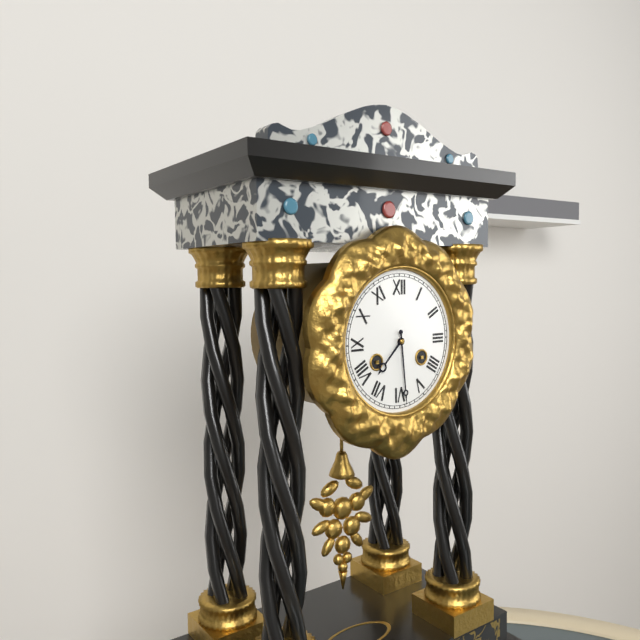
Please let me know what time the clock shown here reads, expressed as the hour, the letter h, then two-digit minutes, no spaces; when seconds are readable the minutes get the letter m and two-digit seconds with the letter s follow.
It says 7h29
